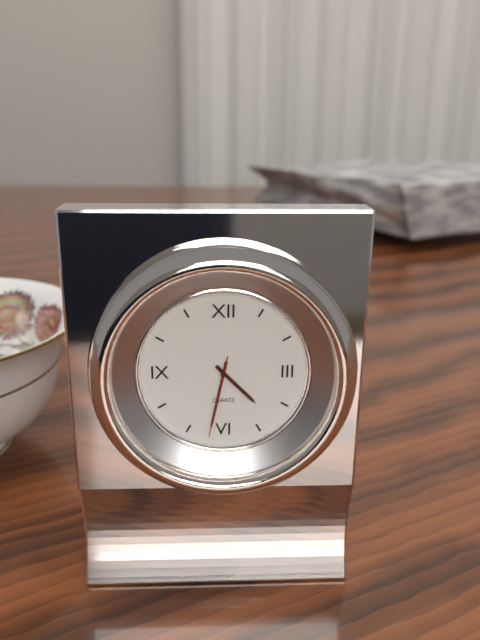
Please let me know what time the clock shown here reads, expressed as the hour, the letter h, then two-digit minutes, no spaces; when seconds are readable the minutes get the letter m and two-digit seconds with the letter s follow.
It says 4h32m32s
